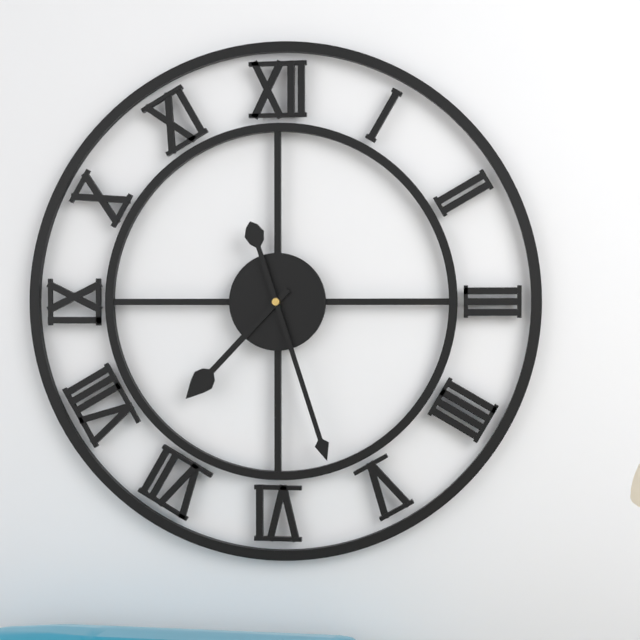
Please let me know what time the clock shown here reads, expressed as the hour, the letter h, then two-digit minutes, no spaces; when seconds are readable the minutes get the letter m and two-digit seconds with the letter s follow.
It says 7h27
